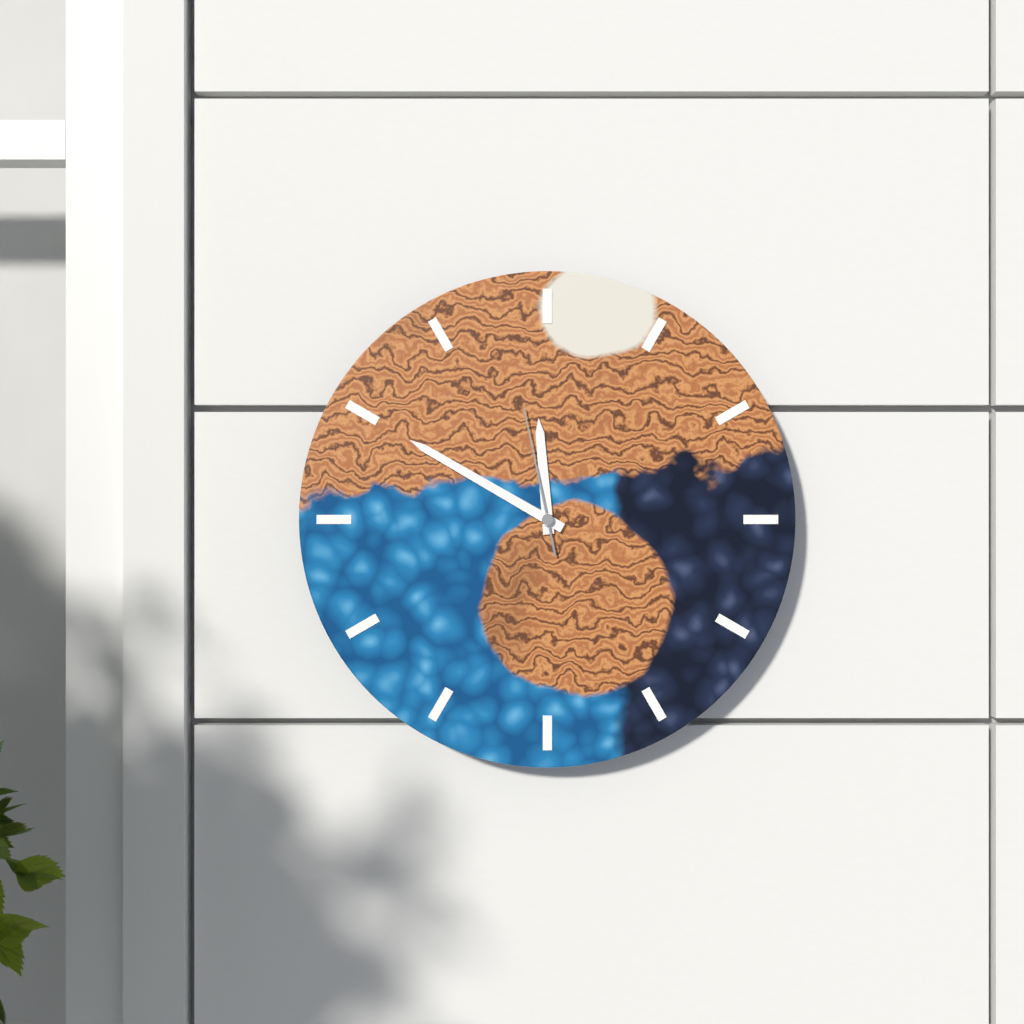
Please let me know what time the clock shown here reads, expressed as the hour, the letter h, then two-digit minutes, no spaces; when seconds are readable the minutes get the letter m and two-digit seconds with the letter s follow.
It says 11h50m58s
